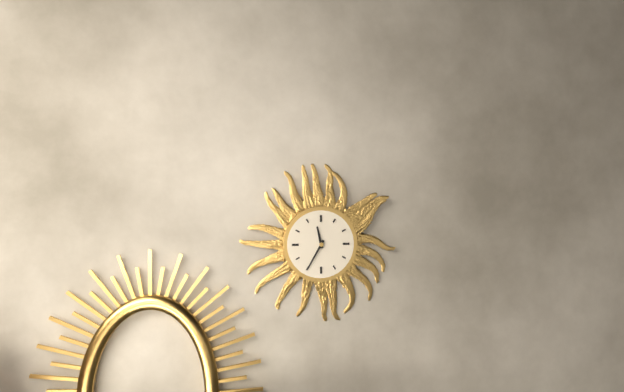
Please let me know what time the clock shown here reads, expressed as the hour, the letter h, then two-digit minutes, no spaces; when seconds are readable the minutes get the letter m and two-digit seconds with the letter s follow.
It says 11h35
